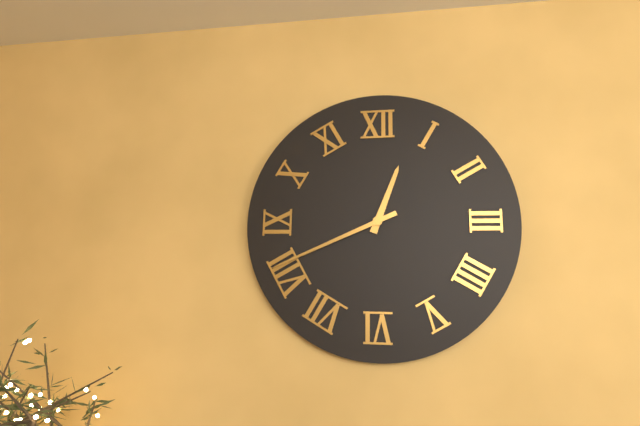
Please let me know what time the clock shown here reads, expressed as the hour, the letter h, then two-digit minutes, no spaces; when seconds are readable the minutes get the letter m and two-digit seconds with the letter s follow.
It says 12h41
